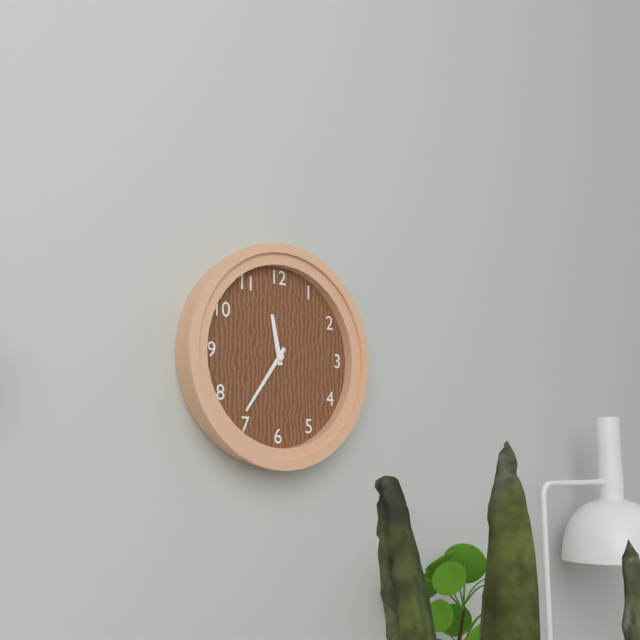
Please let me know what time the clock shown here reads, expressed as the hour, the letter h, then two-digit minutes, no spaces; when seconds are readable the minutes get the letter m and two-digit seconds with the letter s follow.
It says 11h36
